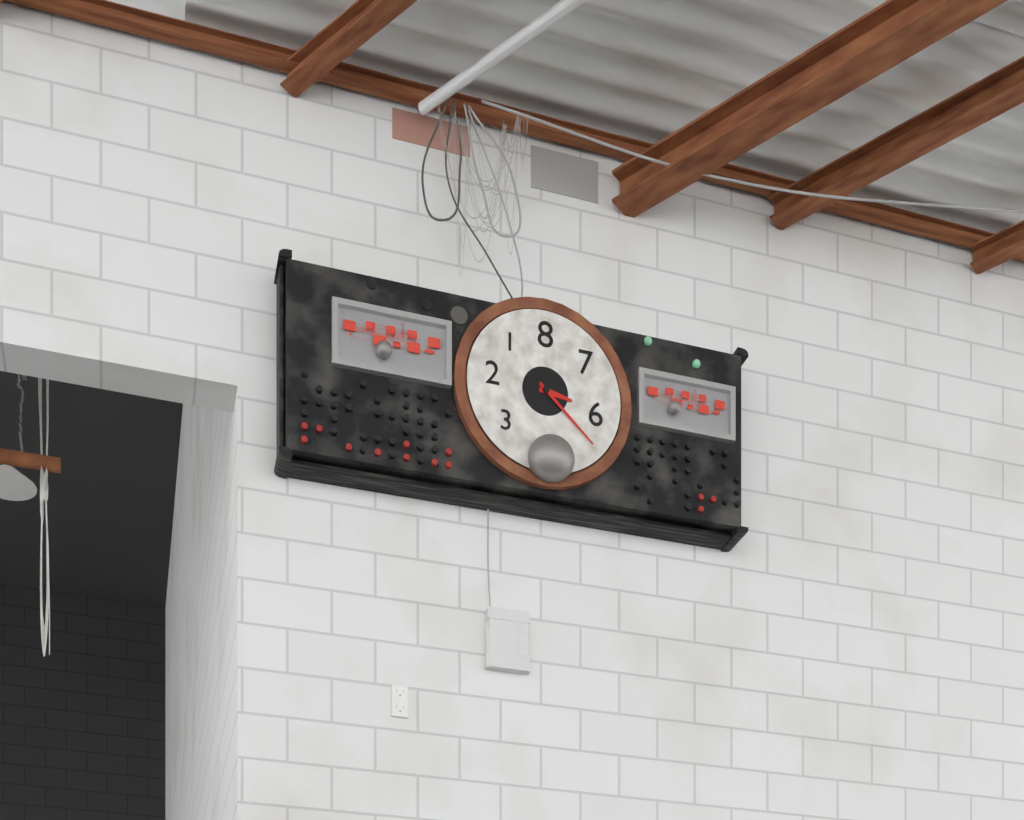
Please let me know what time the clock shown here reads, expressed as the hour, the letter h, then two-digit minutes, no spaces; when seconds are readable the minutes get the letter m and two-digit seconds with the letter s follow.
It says 3h22
